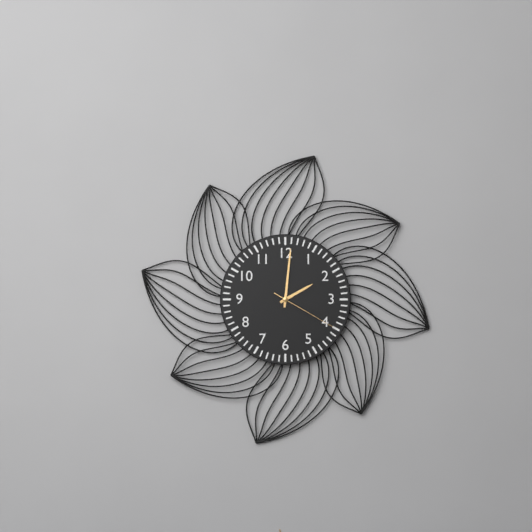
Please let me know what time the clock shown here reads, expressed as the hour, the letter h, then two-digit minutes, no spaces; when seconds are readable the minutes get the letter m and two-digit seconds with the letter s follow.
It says 2h01m20s
